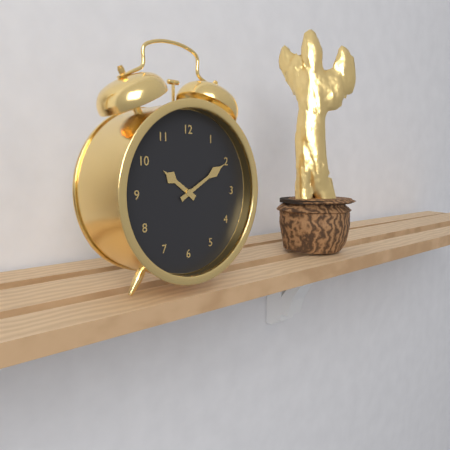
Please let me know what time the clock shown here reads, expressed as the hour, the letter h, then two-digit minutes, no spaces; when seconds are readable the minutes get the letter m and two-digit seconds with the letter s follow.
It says 10h10
